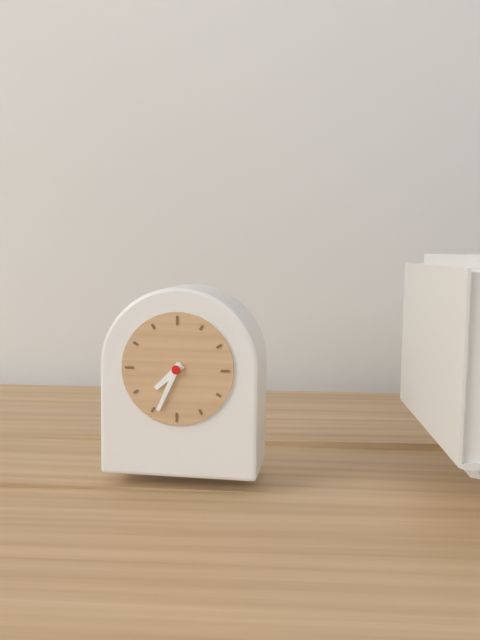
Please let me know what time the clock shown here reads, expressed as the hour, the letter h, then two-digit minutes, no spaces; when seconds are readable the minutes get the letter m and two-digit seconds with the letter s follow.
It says 7h34
